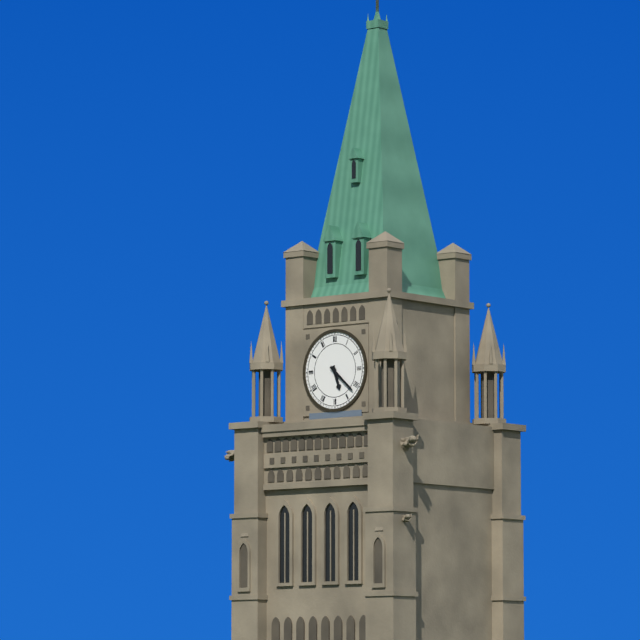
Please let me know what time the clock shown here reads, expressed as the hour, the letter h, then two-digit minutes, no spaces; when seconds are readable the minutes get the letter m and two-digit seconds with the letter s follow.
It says 5h22
